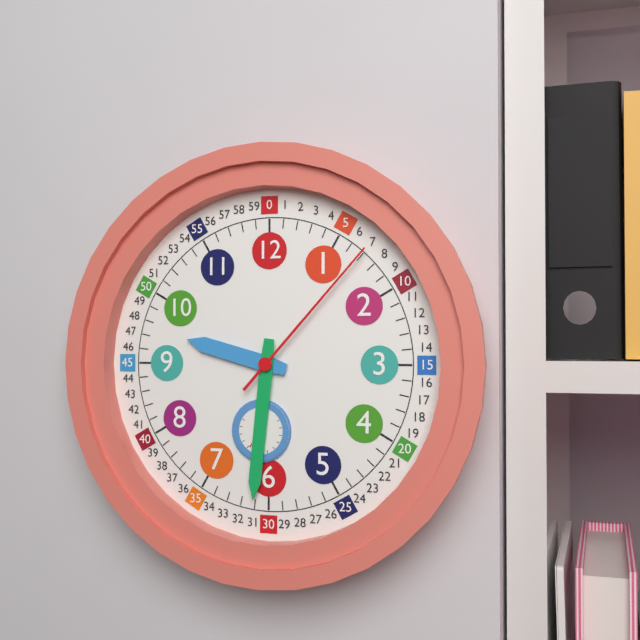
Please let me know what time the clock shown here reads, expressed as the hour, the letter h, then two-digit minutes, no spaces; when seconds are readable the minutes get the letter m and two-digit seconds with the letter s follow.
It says 9h31m07s
